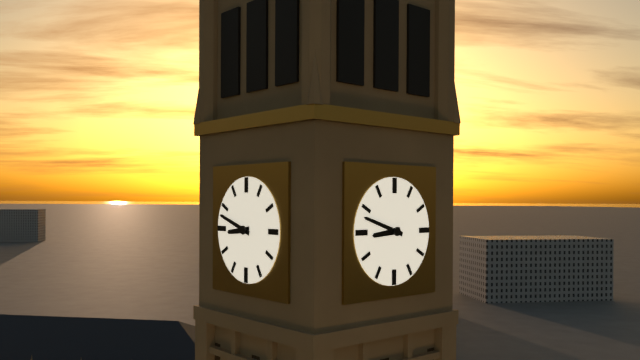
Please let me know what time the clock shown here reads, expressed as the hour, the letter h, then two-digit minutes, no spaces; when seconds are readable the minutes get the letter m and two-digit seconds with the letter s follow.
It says 8h48
